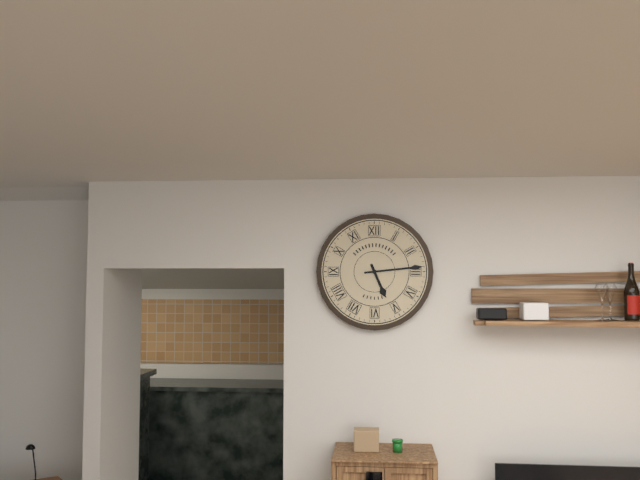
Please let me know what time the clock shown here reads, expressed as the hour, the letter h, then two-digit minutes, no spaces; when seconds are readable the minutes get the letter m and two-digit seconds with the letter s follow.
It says 5h14
